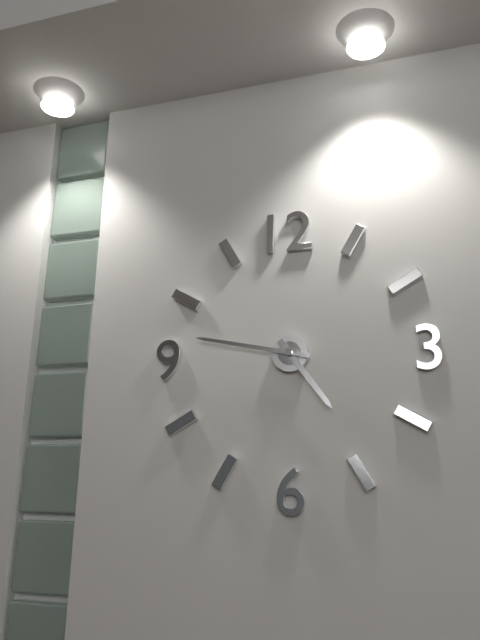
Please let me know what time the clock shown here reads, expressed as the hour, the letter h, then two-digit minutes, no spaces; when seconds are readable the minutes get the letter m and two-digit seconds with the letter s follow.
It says 4h47
